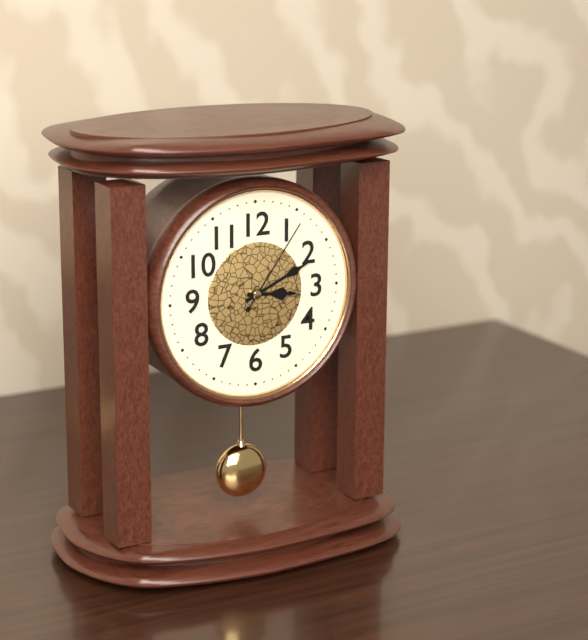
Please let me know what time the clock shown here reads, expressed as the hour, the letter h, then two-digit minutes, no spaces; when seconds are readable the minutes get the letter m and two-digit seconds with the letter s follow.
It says 3h11m06s
